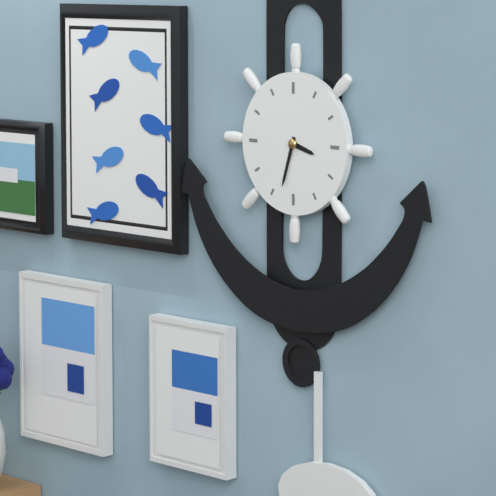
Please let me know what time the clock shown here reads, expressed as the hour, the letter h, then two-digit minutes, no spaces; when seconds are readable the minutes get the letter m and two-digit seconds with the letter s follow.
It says 3h33
